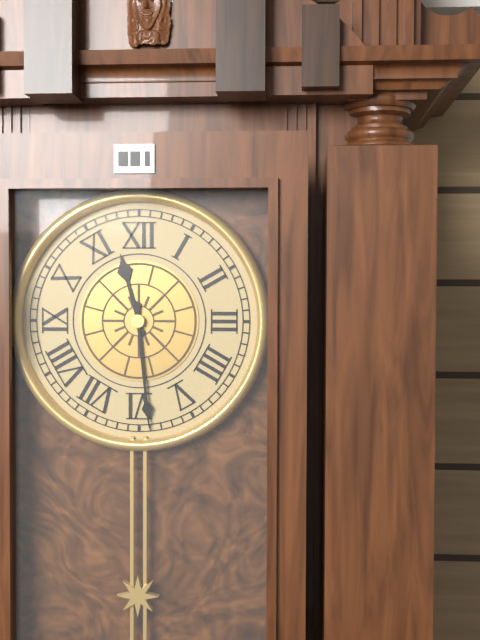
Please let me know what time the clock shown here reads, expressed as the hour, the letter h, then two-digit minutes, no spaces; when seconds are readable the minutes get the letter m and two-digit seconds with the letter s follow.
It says 11h29
